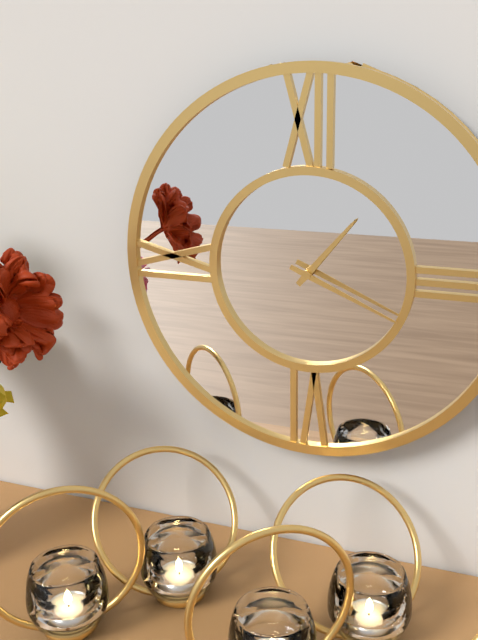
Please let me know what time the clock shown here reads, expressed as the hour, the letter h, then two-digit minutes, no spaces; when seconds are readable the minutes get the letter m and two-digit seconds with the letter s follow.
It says 1h19
